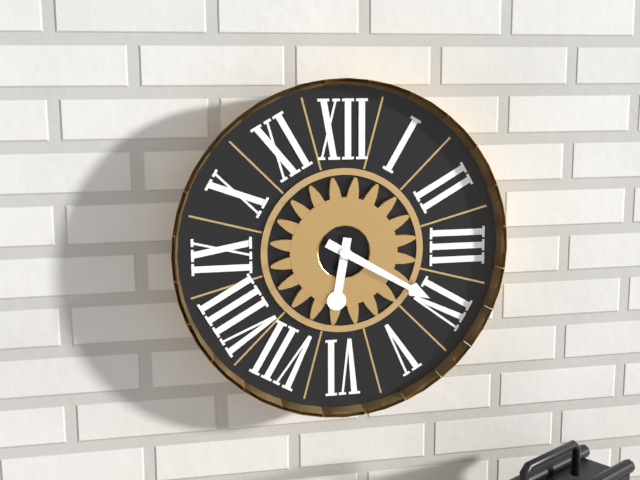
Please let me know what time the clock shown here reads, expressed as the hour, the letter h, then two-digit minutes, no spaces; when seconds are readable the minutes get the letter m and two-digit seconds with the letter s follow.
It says 6h20
